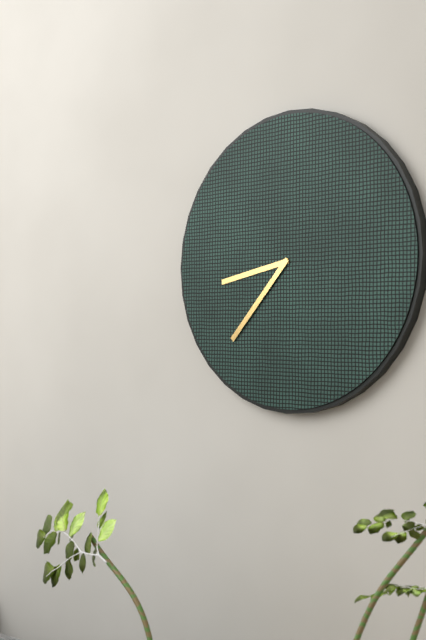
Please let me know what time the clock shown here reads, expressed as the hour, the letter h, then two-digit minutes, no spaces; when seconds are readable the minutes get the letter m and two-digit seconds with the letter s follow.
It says 8h37
